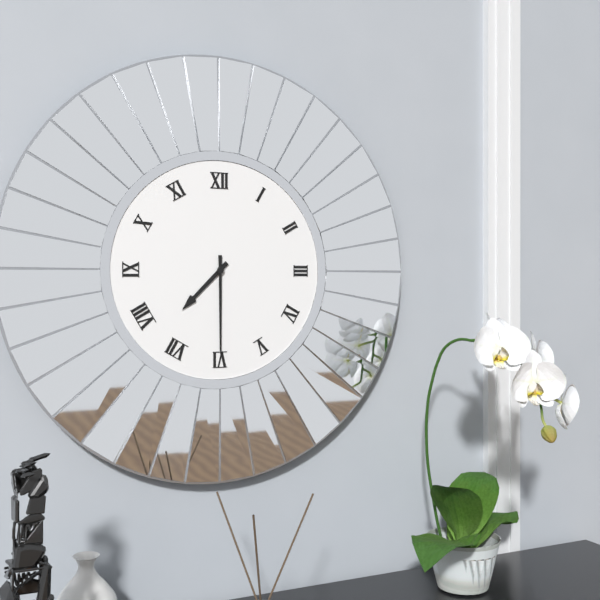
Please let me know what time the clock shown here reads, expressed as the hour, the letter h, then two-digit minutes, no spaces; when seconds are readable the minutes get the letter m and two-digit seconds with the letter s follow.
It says 7h30
